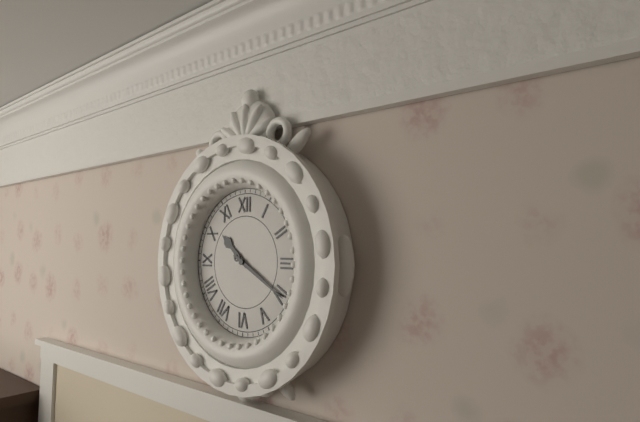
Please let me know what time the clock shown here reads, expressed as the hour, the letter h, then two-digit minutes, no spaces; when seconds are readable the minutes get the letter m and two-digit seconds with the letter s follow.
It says 10h20
